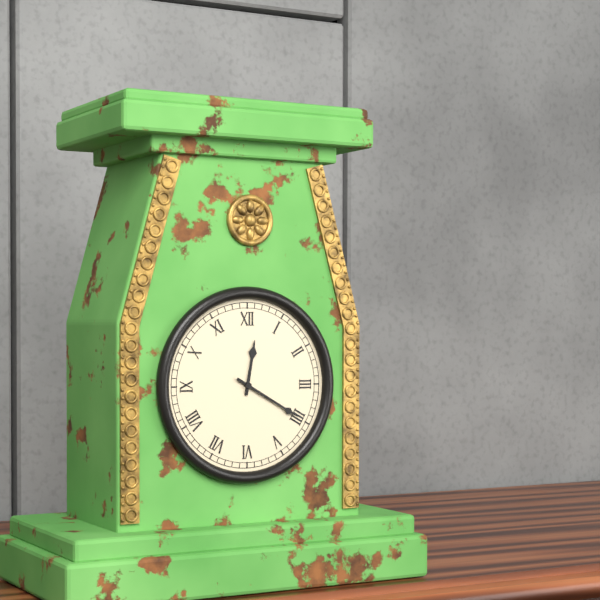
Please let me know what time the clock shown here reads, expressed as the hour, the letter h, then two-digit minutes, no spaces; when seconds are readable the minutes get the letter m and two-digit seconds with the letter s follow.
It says 12h20
